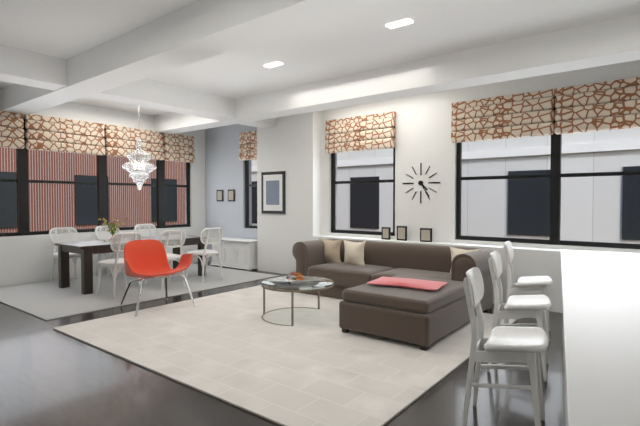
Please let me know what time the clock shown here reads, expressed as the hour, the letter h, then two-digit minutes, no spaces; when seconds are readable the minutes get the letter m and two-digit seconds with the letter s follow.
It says 4h24
